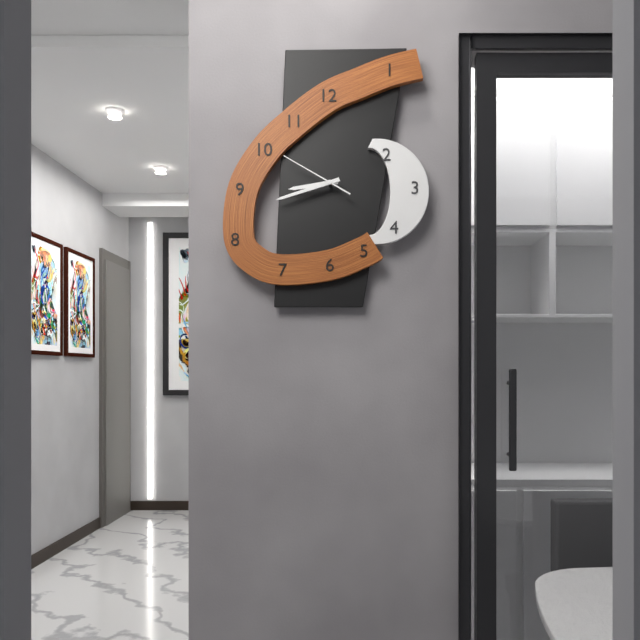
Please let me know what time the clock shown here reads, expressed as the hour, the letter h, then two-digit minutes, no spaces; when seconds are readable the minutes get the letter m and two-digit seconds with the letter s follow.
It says 8h42m50s
